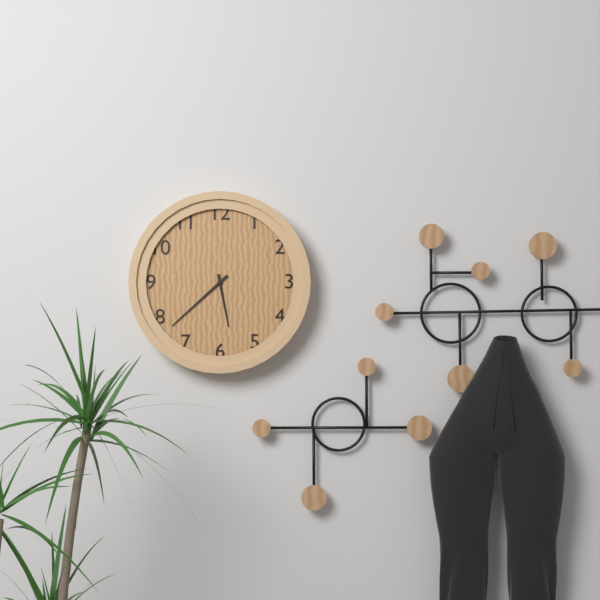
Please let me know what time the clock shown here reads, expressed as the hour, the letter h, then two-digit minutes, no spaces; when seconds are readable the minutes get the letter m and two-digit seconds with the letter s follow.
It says 5h38
